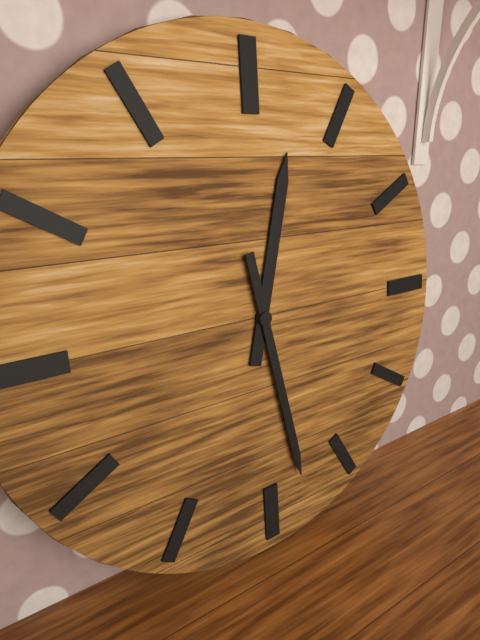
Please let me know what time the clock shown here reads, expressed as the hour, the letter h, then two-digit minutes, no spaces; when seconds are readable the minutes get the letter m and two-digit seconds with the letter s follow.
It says 12h28
